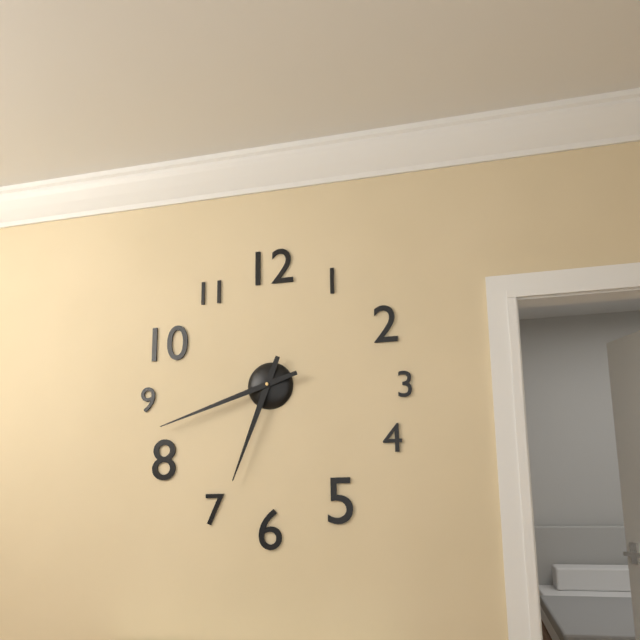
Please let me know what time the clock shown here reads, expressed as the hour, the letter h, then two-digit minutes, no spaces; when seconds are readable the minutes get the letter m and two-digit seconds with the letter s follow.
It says 6h42
